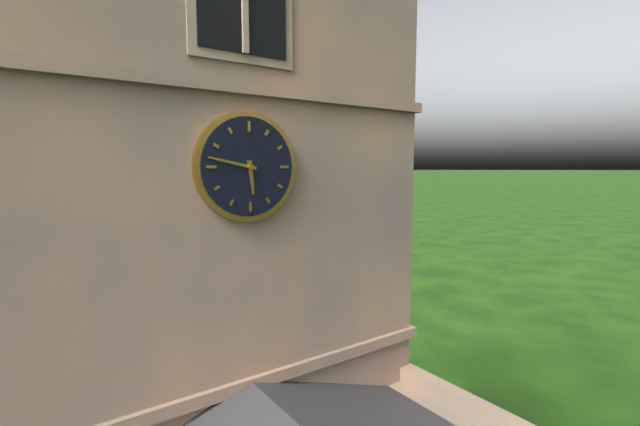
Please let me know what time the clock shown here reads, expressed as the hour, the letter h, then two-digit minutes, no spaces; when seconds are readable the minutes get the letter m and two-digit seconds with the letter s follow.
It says 5h47
